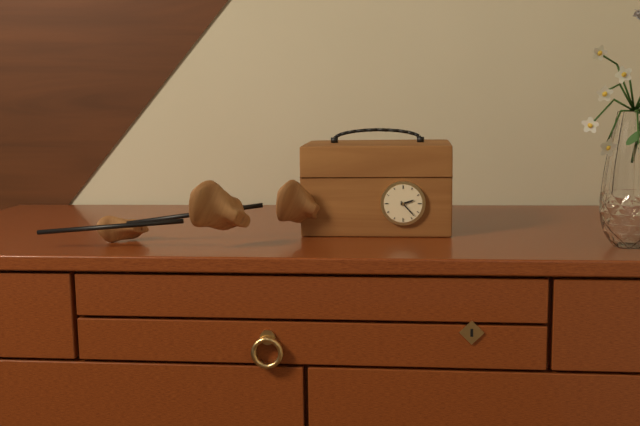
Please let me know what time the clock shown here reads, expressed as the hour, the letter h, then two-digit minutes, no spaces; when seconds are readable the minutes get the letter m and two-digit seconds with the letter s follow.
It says 2h23
